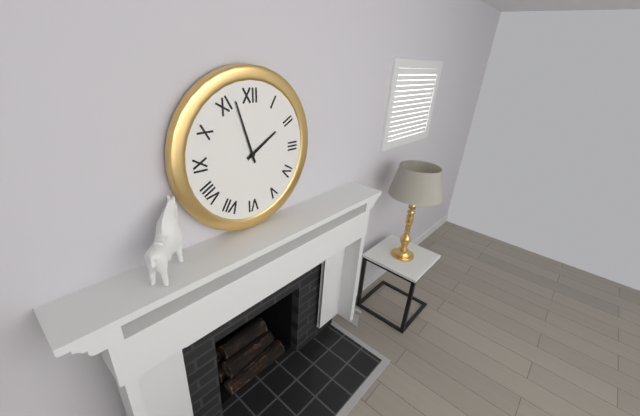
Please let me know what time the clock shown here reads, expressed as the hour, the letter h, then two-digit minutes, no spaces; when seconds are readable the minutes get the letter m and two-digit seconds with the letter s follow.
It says 1h57
